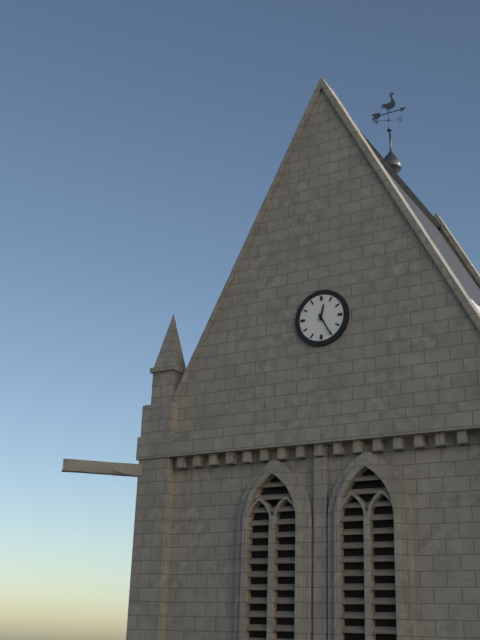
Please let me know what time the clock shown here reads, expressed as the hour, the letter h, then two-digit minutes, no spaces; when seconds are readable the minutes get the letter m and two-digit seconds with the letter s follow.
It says 12h25
